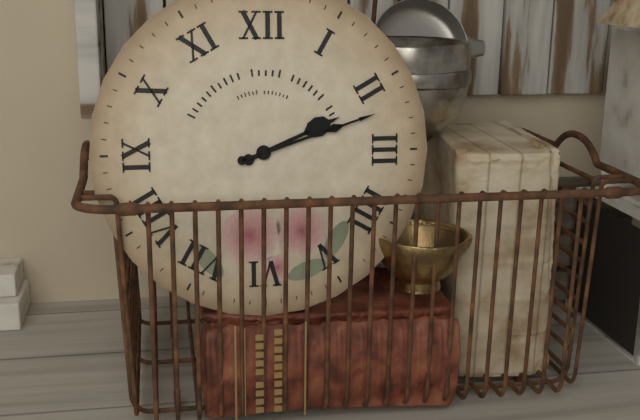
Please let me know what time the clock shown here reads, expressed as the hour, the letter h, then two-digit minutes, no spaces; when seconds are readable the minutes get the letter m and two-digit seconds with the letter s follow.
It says 2h12
